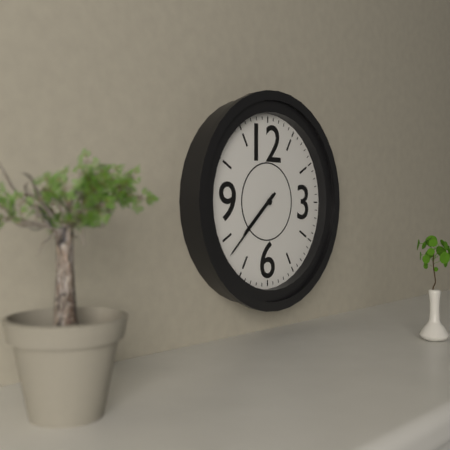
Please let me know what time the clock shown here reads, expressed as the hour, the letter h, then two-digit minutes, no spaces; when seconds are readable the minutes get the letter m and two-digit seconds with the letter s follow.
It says 7h38
